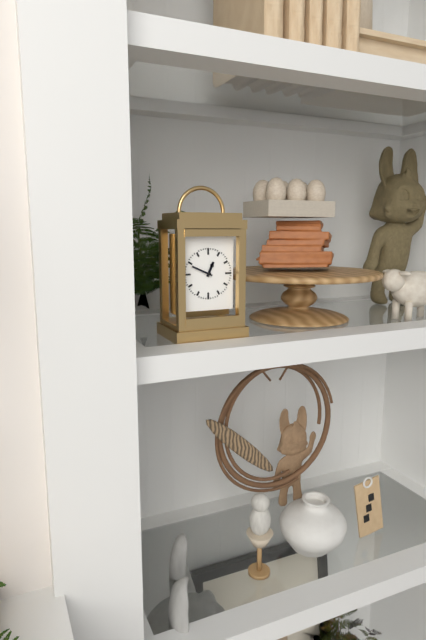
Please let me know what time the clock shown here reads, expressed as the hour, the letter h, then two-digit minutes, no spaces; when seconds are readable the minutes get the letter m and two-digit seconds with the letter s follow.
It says 12h49
